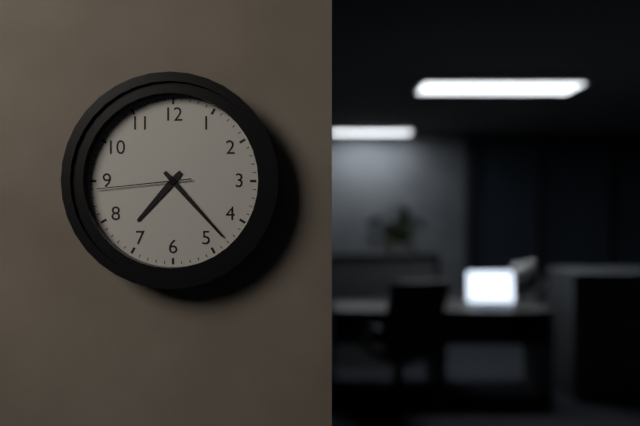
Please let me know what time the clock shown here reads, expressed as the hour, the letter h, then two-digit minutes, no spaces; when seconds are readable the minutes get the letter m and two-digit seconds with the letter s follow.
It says 7h23m44s
